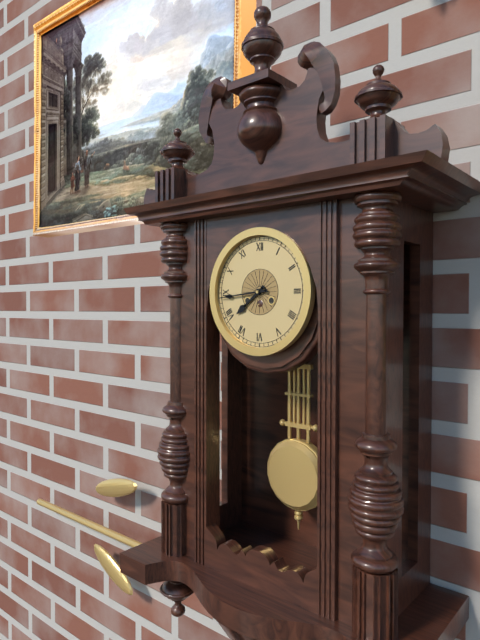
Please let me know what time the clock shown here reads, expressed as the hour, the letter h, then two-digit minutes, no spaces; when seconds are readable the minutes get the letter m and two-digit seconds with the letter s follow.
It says 7h44
